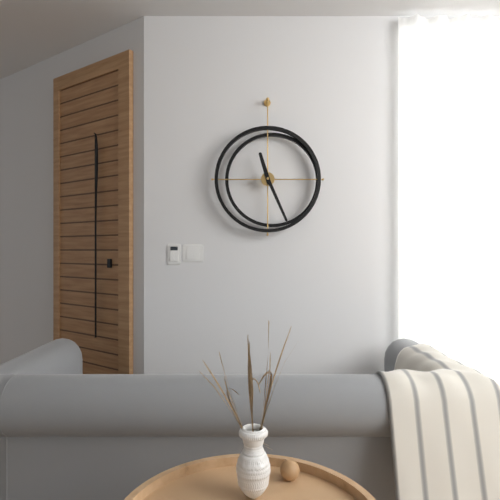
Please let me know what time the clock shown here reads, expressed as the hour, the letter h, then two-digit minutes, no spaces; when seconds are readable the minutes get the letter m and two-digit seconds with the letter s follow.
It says 11h26
